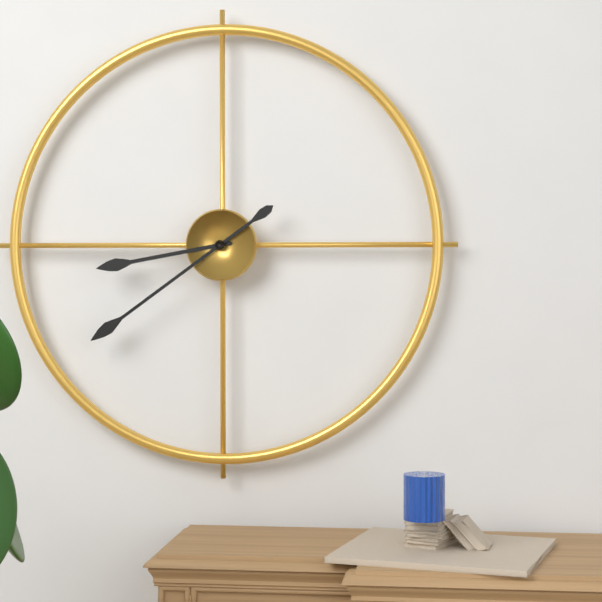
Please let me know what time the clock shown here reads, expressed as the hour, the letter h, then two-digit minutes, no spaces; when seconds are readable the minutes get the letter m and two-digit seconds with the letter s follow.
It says 8h39
